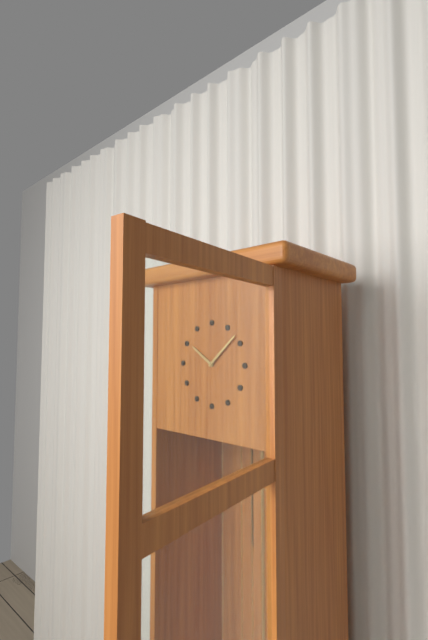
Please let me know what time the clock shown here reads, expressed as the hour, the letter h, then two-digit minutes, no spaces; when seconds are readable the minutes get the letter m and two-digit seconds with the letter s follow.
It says 10h08
